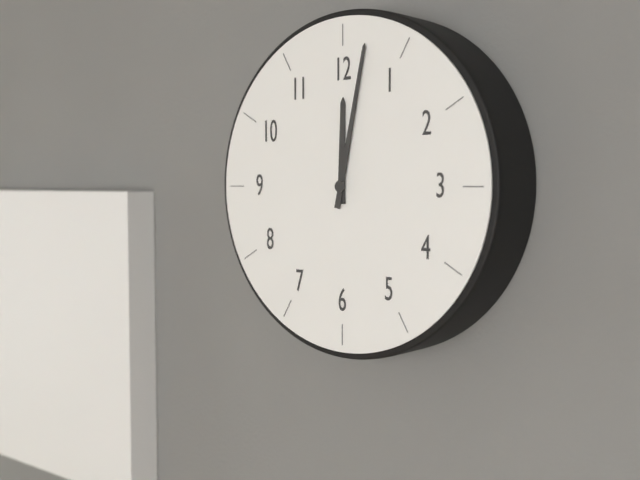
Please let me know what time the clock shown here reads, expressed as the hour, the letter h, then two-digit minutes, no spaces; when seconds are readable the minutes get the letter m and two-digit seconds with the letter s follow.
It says 12h02
